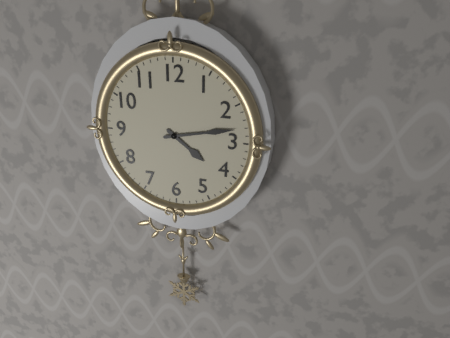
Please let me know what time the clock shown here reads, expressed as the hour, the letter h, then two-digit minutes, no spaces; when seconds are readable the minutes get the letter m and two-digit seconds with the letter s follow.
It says 4h13
